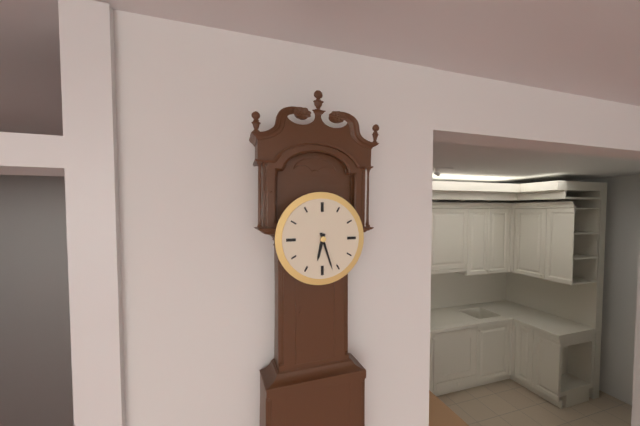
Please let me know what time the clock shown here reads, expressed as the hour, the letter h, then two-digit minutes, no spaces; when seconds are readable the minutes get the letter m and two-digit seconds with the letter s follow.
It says 6h27
